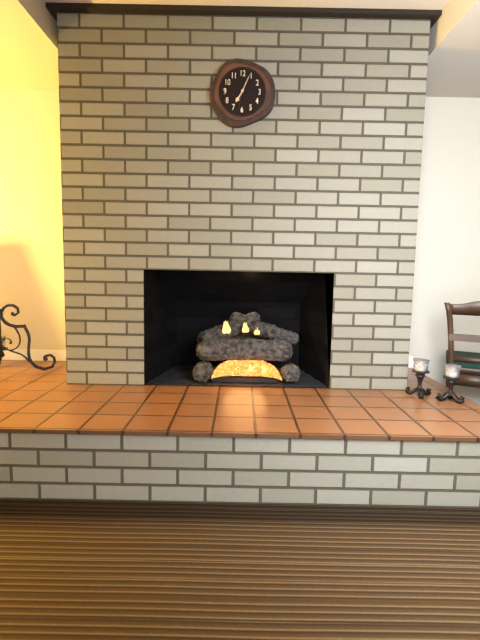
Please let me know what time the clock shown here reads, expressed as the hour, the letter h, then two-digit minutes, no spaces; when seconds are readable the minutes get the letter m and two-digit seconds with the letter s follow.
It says 7h04
